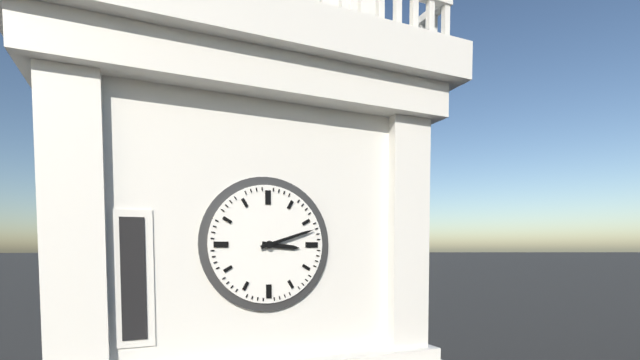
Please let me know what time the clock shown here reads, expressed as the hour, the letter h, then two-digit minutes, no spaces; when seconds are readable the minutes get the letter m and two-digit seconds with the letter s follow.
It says 3h12
